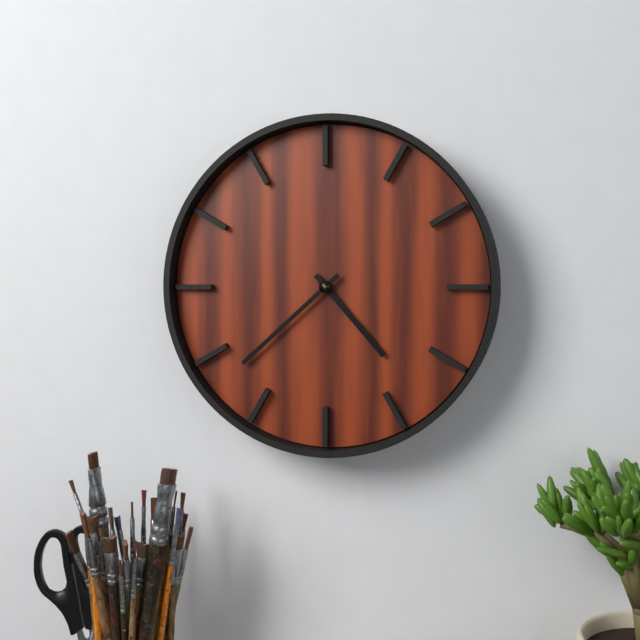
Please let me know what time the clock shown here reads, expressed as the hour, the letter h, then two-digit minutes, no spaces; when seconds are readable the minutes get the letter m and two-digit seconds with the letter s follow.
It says 4h38
